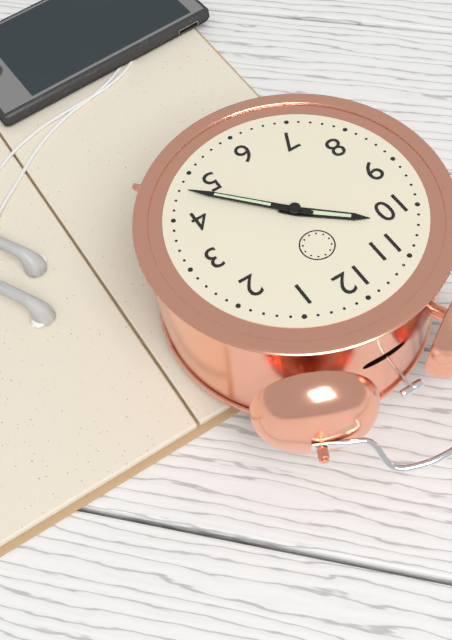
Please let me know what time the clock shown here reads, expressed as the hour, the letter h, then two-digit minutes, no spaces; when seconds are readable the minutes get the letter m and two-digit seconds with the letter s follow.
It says 10h23
